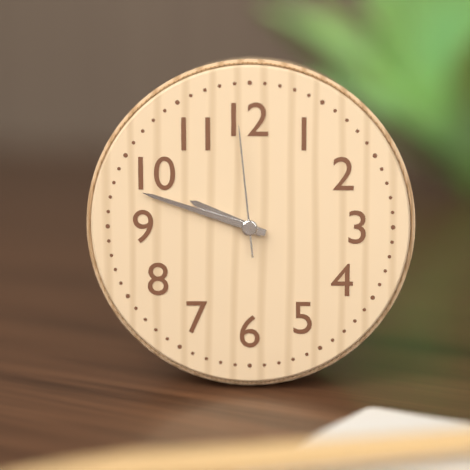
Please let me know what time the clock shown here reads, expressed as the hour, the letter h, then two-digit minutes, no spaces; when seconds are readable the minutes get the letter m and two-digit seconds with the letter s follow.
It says 9h48m59s
